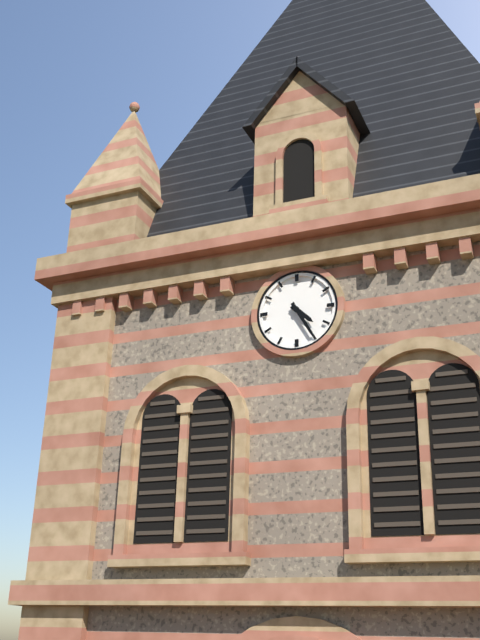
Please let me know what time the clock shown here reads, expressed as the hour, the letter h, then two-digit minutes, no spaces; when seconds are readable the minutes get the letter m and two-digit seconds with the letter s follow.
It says 4h25
